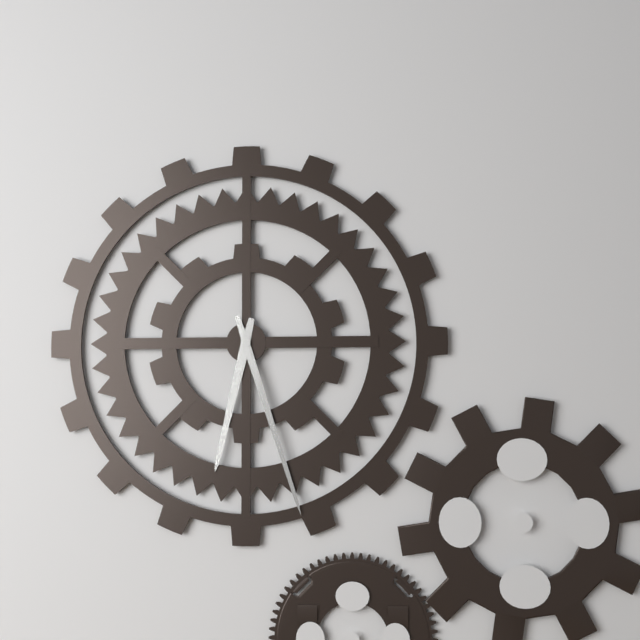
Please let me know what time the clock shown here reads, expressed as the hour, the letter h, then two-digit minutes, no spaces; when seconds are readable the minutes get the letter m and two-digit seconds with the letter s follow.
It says 6h27
